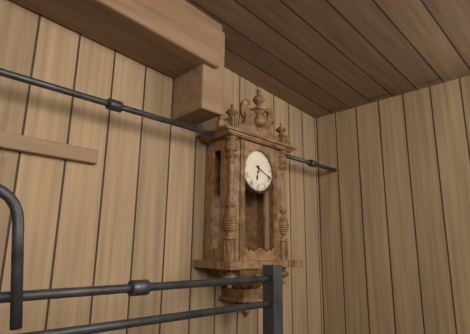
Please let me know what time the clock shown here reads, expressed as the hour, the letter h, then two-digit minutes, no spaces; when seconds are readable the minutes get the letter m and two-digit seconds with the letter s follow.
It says 6h19
